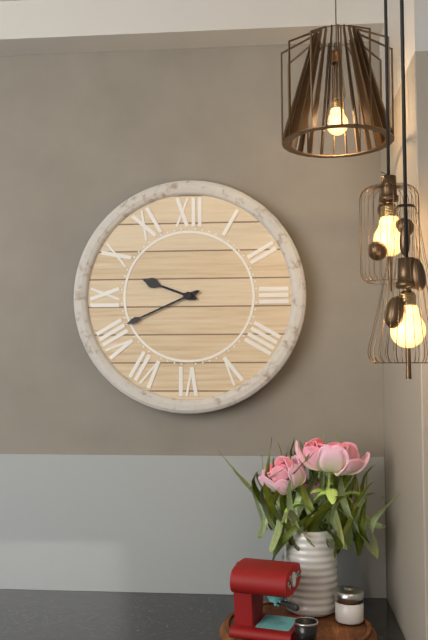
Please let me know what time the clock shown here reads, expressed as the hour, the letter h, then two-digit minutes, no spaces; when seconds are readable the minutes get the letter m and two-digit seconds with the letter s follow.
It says 9h41
